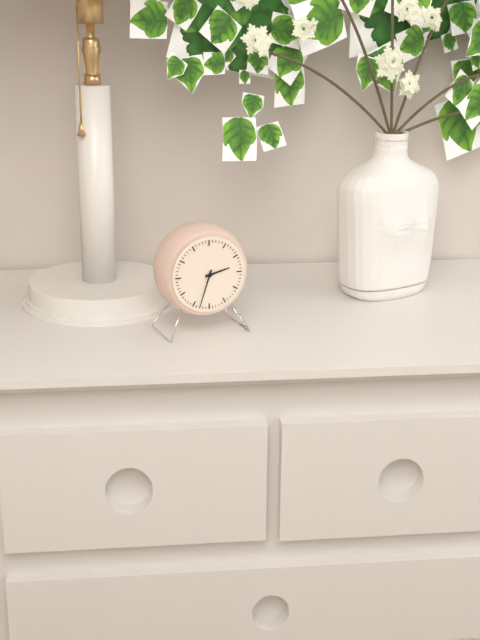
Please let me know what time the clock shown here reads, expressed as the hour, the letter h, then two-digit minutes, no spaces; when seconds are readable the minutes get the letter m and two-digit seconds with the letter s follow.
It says 2h33
